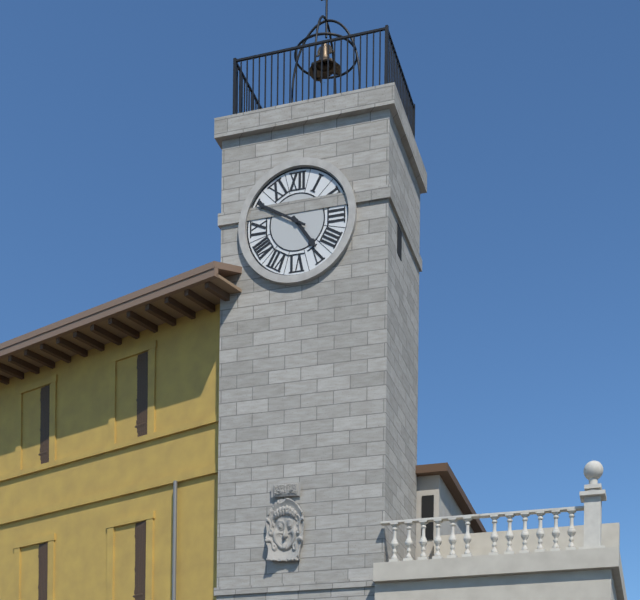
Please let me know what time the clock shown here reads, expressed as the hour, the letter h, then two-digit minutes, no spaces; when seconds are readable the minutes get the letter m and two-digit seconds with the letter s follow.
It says 4h50
